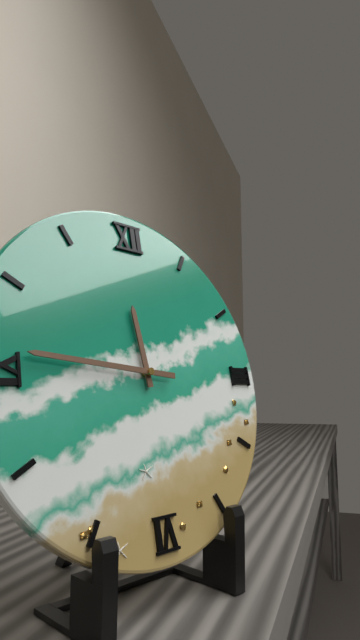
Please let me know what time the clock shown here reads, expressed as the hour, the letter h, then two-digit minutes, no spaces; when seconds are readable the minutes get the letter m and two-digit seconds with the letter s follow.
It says 11h46
